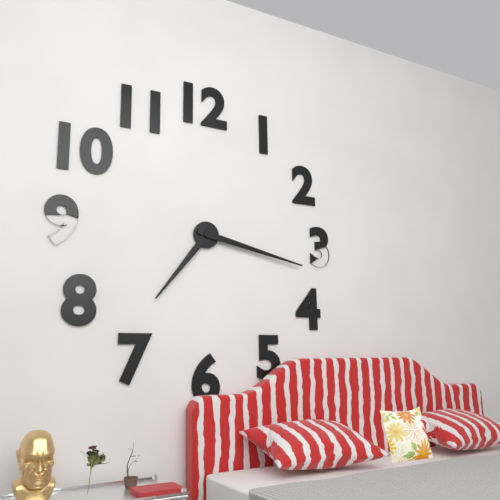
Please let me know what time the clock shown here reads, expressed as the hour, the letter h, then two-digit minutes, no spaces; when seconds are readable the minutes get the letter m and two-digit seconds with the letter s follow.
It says 7h17
